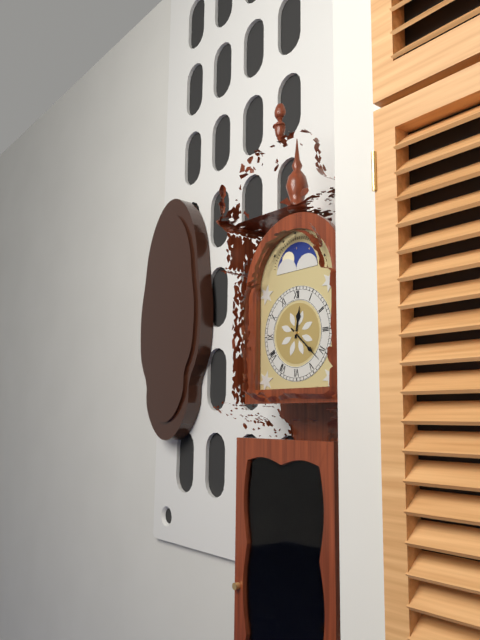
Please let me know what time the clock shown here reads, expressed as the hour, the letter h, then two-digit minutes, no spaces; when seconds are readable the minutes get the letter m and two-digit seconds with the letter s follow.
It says 12h22
